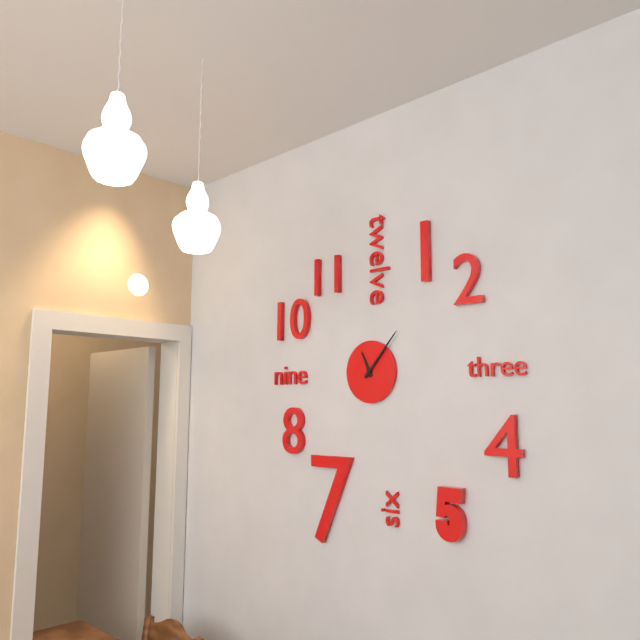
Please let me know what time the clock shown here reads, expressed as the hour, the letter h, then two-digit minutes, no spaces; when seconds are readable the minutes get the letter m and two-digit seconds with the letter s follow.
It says 11h07
